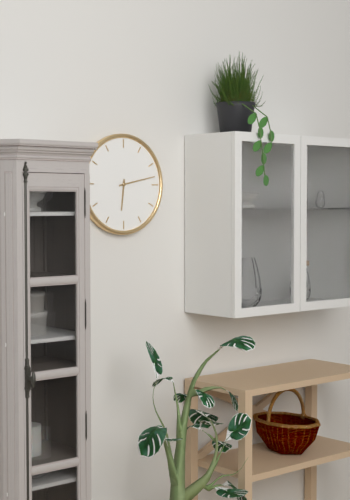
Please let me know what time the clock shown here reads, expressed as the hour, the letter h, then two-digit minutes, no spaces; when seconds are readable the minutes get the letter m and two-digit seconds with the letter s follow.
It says 6h13
